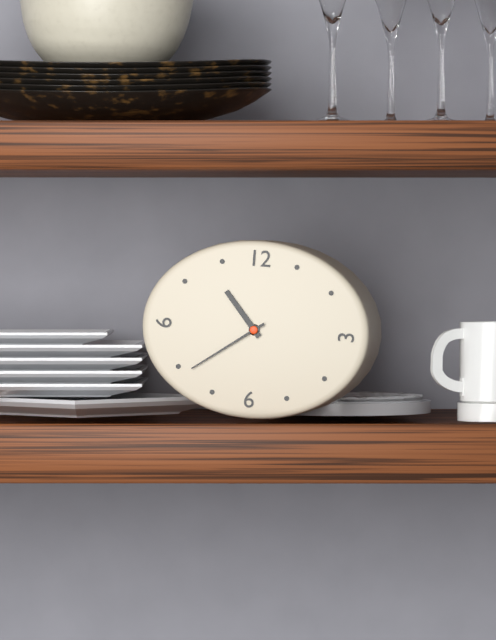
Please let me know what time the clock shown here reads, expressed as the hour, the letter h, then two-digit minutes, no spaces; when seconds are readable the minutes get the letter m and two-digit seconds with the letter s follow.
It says 10h39
